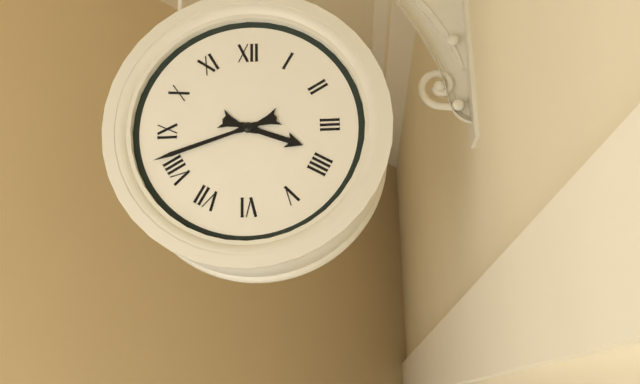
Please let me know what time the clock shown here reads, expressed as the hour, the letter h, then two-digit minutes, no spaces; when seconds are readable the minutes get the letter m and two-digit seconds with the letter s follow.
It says 3h42
